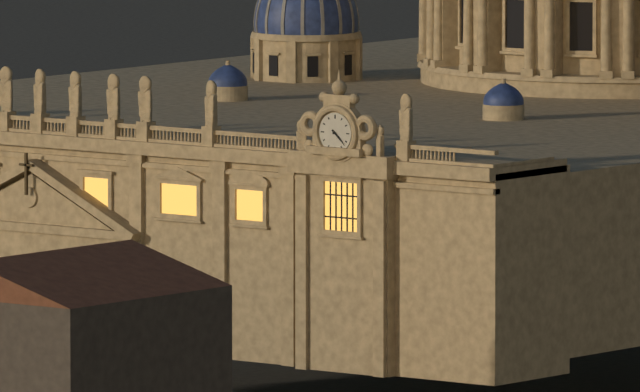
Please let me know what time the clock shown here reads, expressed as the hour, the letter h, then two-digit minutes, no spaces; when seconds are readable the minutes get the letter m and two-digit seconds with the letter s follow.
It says 4h22
